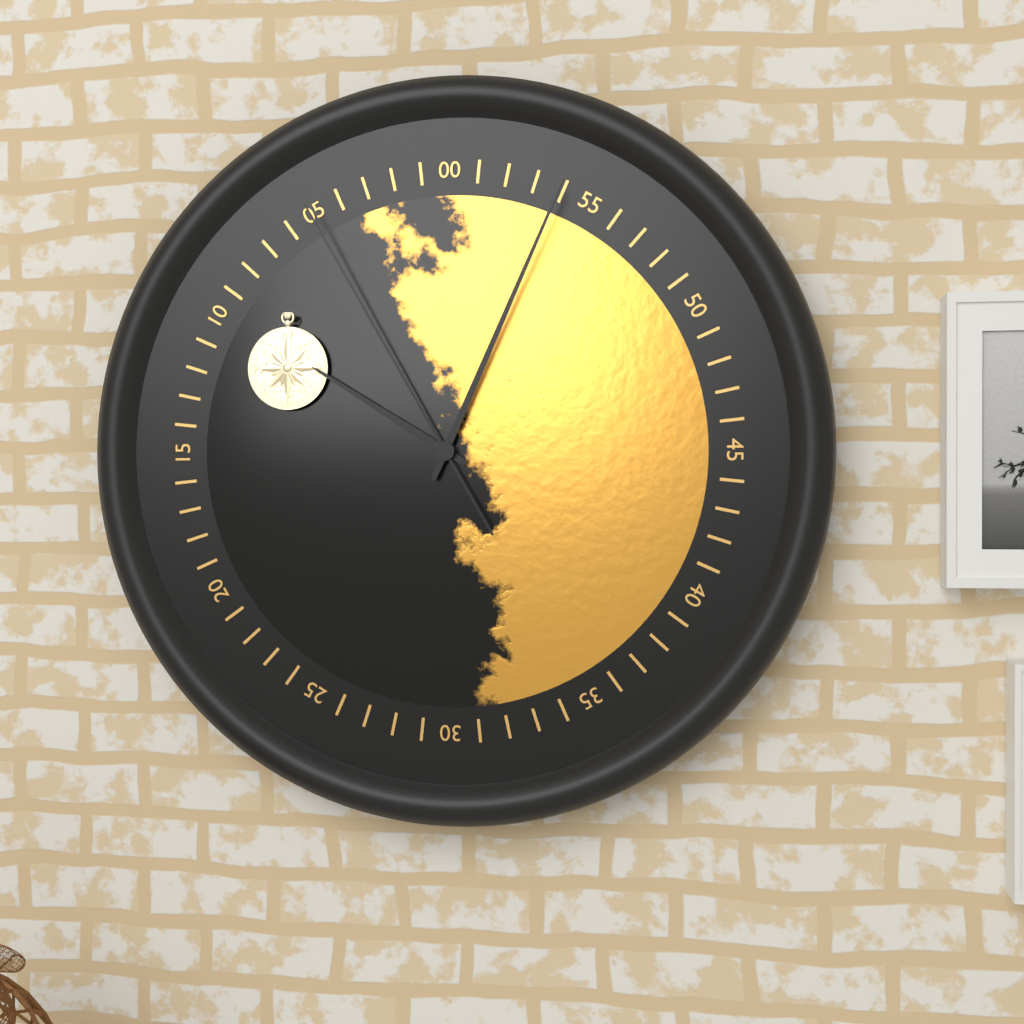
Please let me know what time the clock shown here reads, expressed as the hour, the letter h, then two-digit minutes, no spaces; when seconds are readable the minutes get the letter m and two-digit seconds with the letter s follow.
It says 10h04m55s
